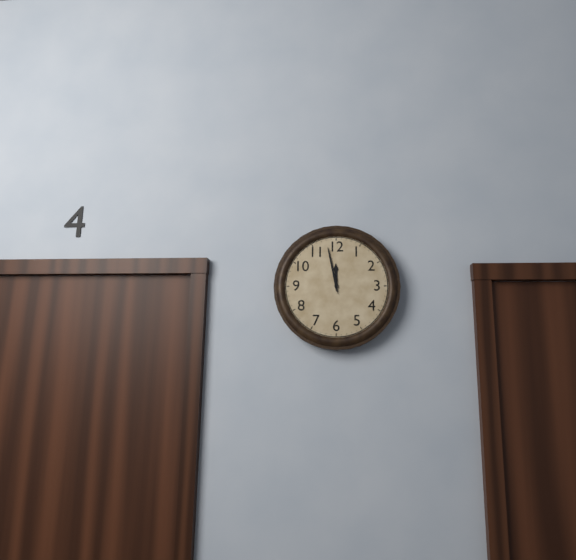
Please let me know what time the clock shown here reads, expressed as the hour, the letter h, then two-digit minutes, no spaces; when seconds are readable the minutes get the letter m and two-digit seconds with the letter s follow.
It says 11h58
